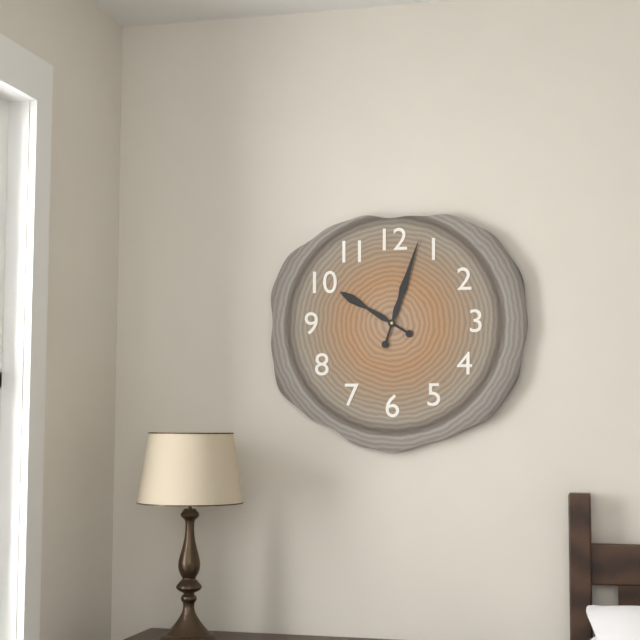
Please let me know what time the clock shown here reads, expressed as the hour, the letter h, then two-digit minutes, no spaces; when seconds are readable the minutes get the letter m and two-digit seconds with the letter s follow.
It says 10h03
